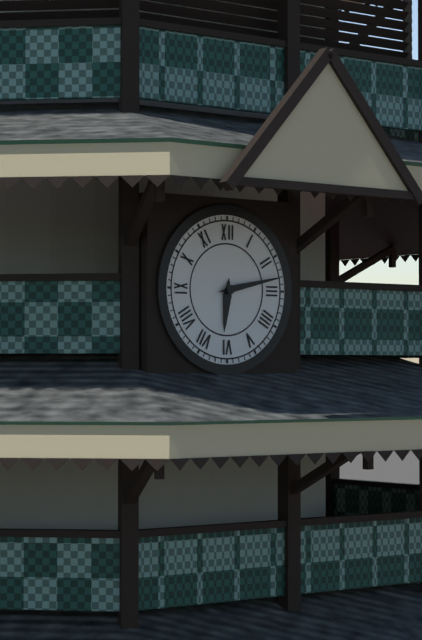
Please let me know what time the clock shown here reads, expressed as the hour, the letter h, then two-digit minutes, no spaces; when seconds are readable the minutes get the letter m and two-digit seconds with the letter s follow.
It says 6h13
